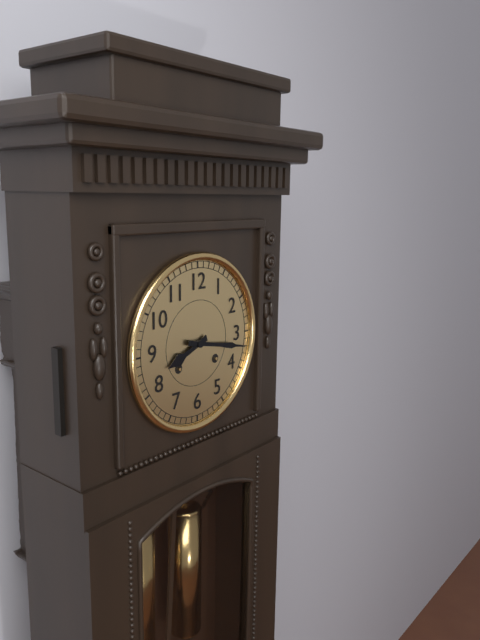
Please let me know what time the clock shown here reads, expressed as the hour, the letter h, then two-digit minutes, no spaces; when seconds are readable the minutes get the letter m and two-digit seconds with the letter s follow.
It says 8h17
